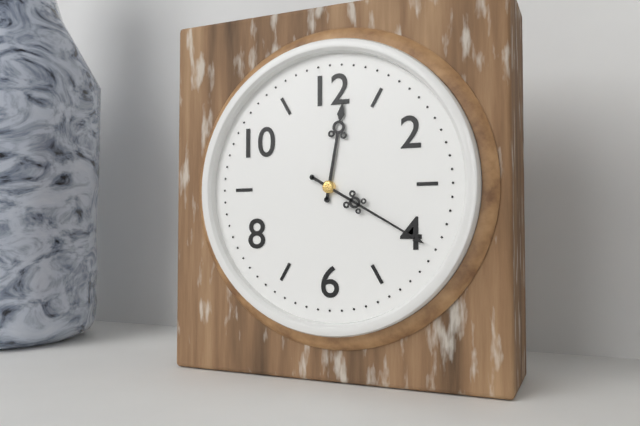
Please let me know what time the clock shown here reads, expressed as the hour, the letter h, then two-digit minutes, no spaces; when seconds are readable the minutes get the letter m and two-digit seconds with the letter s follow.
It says 12h20
